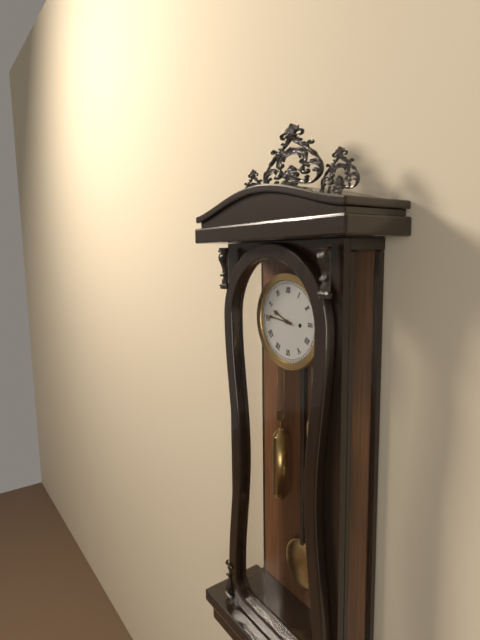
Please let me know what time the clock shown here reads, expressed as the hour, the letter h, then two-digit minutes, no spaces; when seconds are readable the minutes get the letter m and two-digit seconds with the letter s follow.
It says 9h46
